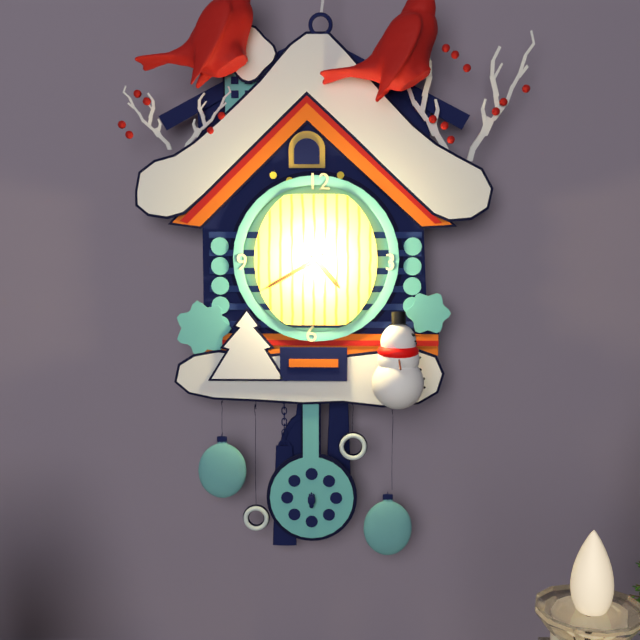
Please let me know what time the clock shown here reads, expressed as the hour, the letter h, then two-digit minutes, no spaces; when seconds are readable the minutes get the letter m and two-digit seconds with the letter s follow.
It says 4h40
